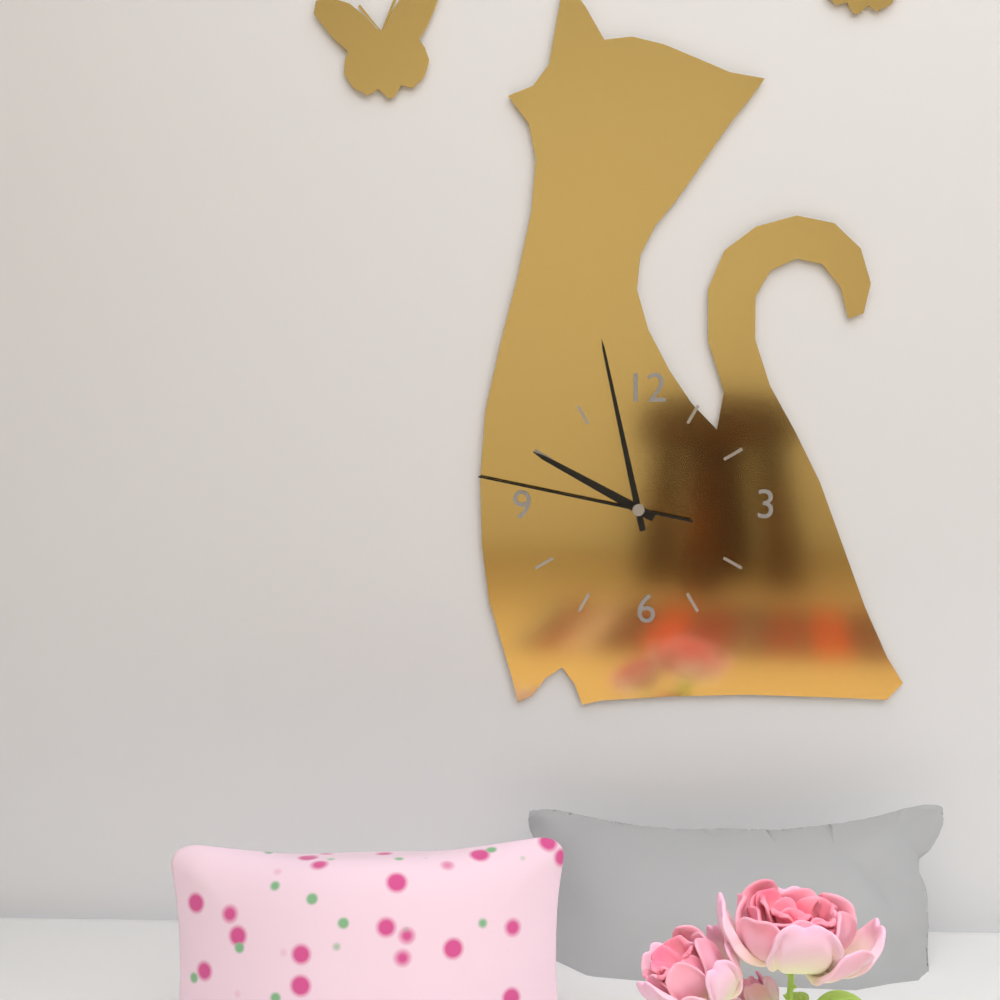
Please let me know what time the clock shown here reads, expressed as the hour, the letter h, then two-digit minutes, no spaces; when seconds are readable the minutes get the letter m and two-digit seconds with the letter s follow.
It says 9h58m47s
